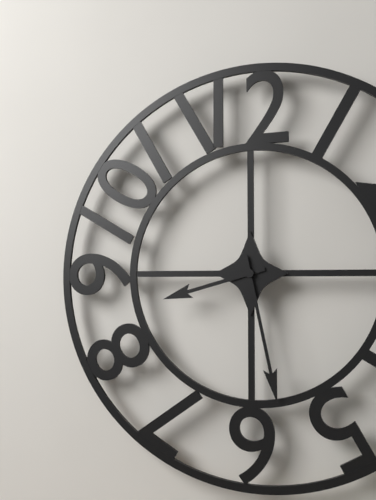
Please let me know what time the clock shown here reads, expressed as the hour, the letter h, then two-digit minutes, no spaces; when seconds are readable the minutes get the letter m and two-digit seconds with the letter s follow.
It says 8h28
